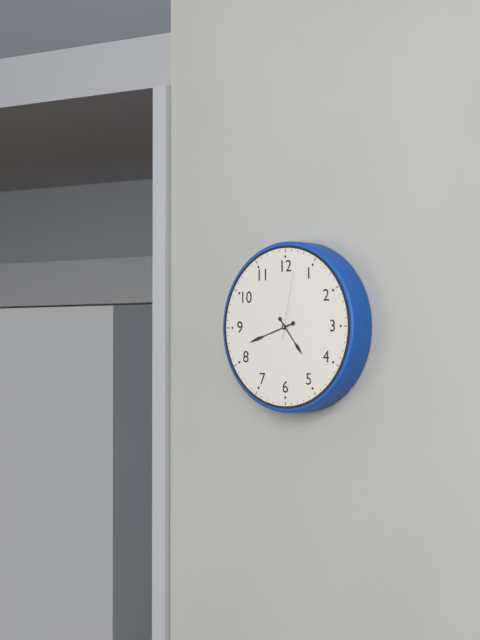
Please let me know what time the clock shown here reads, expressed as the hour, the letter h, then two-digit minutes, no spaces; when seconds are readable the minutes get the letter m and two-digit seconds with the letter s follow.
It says 4h42m02s
